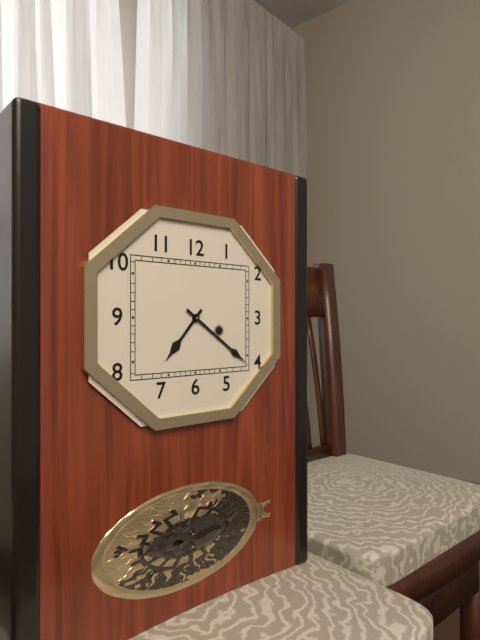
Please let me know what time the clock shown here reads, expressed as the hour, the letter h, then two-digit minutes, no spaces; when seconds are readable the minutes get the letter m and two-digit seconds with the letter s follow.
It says 7h21
